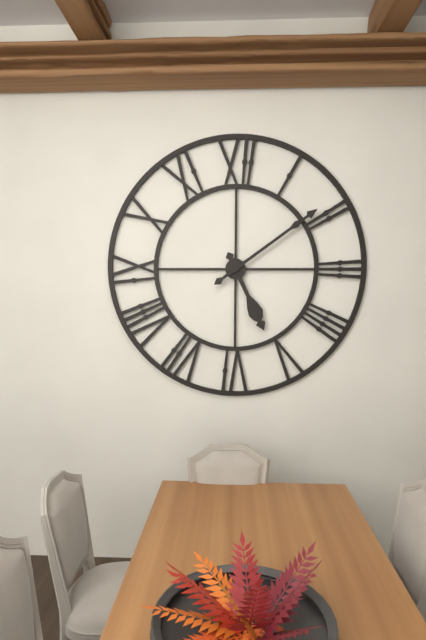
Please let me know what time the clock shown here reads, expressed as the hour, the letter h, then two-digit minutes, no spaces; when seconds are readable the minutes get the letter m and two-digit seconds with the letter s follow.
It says 5h09
